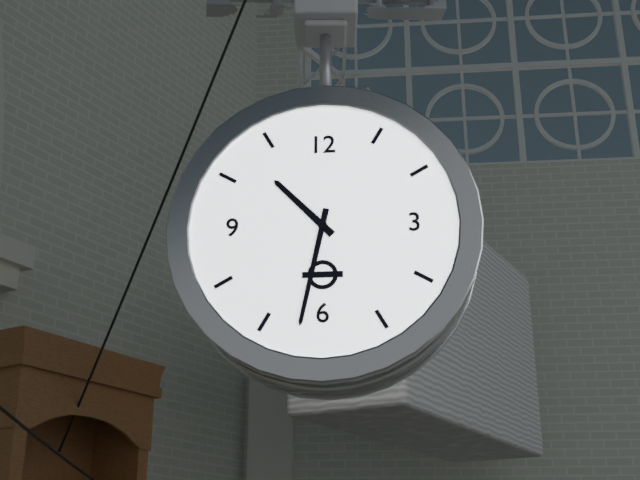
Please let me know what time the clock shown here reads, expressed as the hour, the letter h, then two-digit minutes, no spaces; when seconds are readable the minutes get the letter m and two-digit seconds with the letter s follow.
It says 10h32
